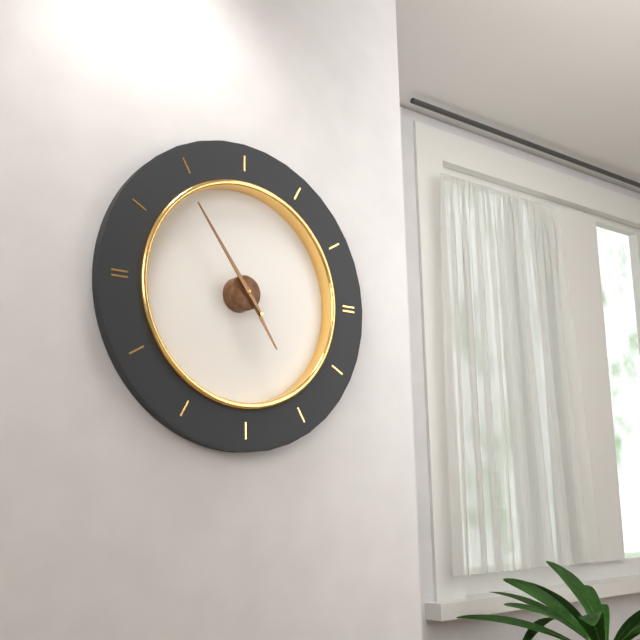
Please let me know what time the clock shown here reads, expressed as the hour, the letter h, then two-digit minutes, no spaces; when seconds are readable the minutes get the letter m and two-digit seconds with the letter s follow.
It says 4h54
